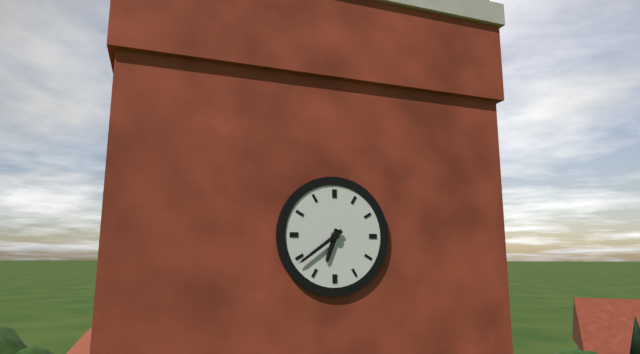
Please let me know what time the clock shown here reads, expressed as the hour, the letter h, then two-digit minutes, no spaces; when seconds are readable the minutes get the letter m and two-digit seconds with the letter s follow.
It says 6h39
